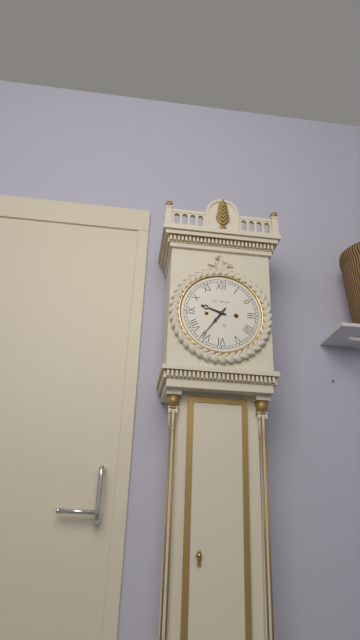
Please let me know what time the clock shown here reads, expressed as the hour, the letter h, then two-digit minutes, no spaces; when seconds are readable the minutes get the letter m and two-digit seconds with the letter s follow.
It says 9h36
